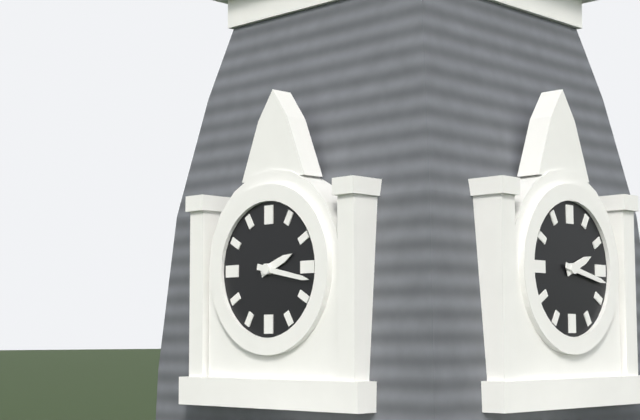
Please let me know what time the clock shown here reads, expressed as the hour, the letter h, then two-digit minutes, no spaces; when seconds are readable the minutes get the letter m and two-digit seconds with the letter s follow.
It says 2h17
